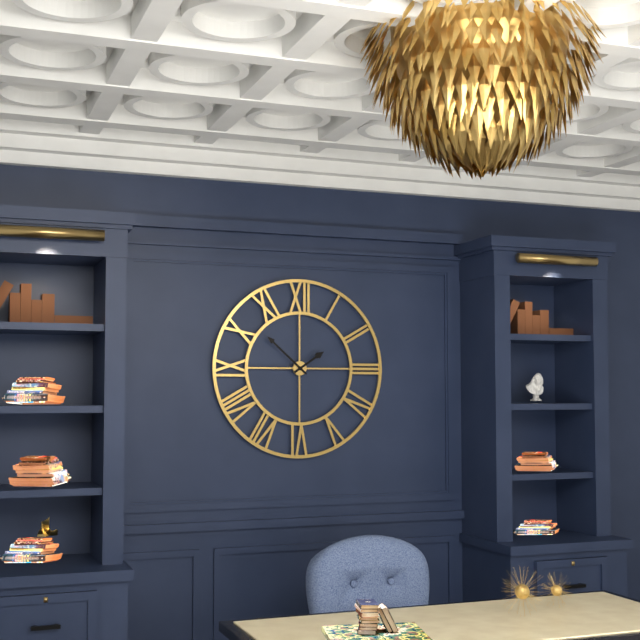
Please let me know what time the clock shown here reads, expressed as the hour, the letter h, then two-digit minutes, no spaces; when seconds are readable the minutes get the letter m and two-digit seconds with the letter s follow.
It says 1h52
